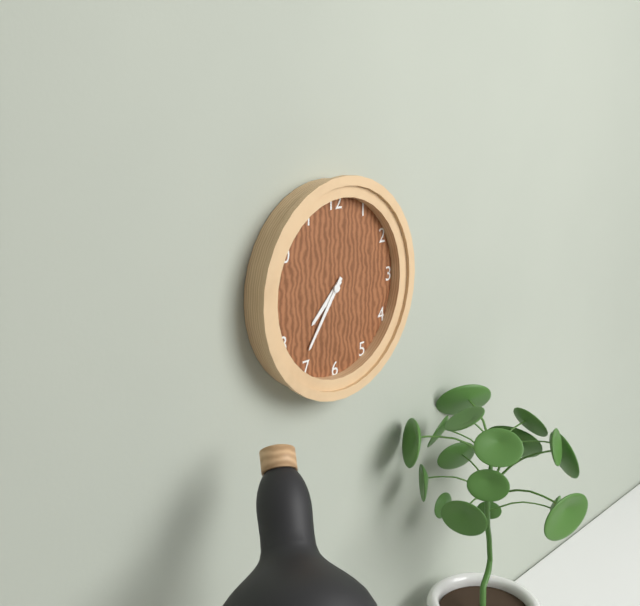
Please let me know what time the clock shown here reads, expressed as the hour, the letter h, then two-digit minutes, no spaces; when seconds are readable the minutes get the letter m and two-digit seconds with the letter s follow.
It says 7h36
